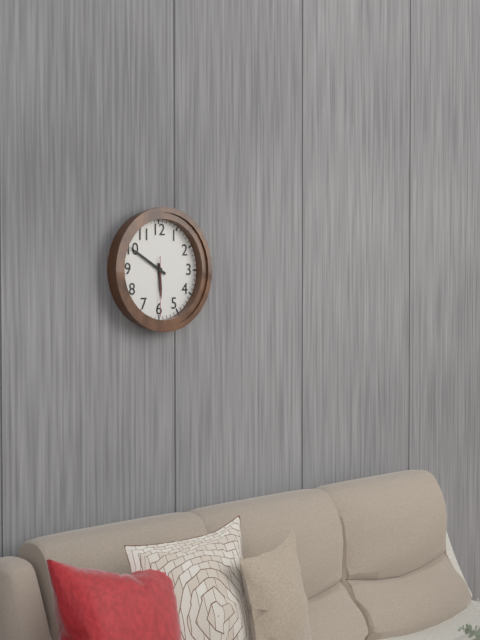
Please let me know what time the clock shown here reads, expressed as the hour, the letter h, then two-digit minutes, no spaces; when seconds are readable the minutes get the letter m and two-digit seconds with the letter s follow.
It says 5h50m30s
